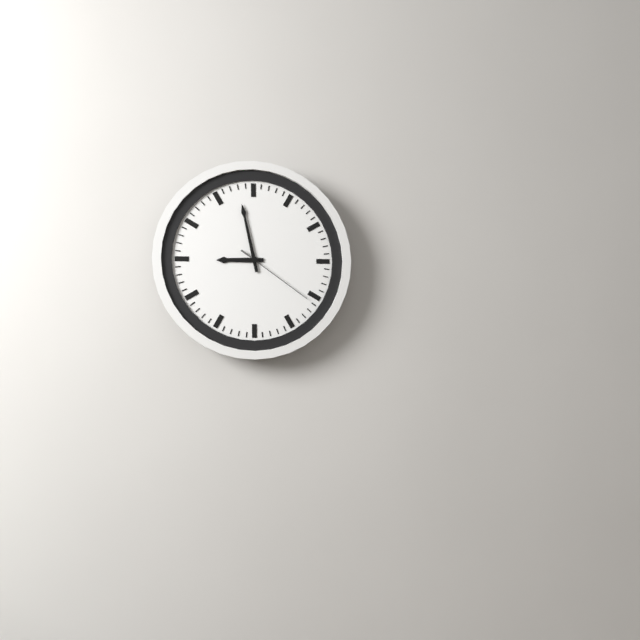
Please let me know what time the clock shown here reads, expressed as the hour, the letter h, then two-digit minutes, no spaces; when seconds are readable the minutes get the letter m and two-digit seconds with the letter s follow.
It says 8h58m21s
